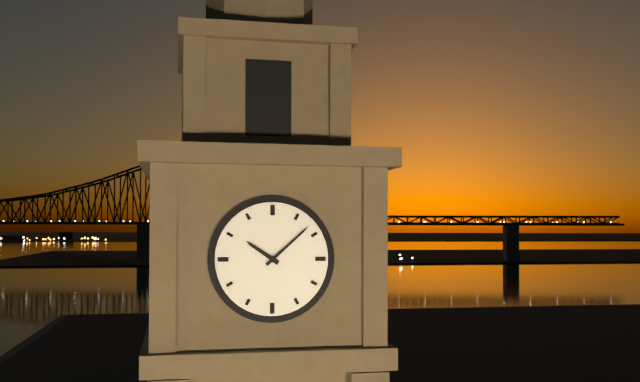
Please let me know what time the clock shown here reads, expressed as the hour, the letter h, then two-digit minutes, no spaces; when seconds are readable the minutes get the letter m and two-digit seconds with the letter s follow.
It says 10h08
